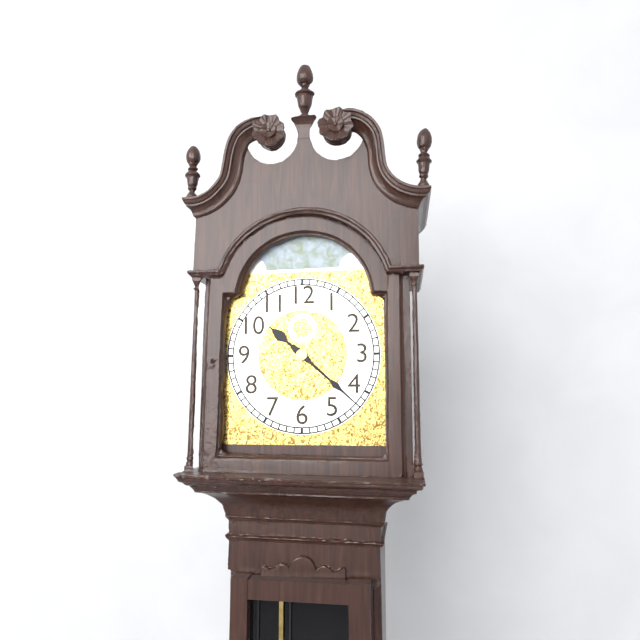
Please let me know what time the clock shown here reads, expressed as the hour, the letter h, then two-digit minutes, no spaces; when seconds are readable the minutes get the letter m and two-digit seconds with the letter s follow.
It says 10h22
